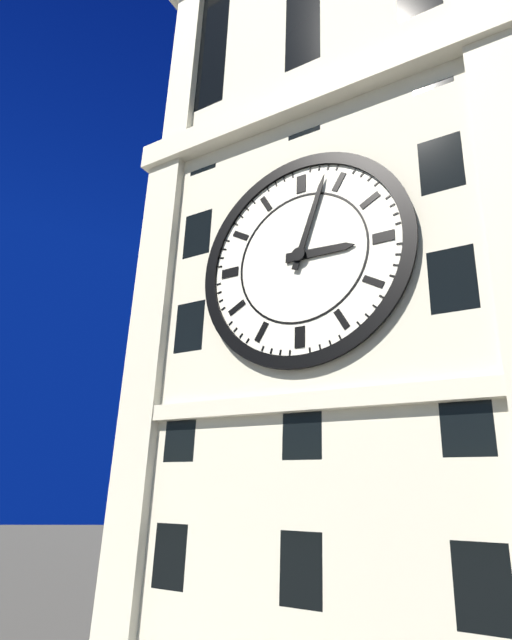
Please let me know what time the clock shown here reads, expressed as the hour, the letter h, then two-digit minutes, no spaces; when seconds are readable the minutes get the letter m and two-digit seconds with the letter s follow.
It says 3h03
